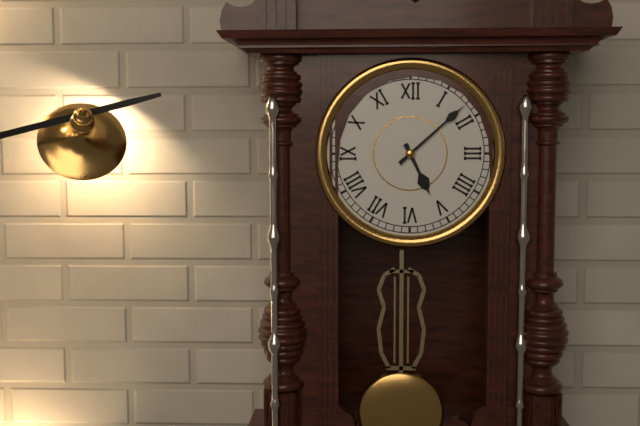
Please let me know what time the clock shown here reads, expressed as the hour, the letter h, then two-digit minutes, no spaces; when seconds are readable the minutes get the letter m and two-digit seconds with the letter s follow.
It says 5h08
